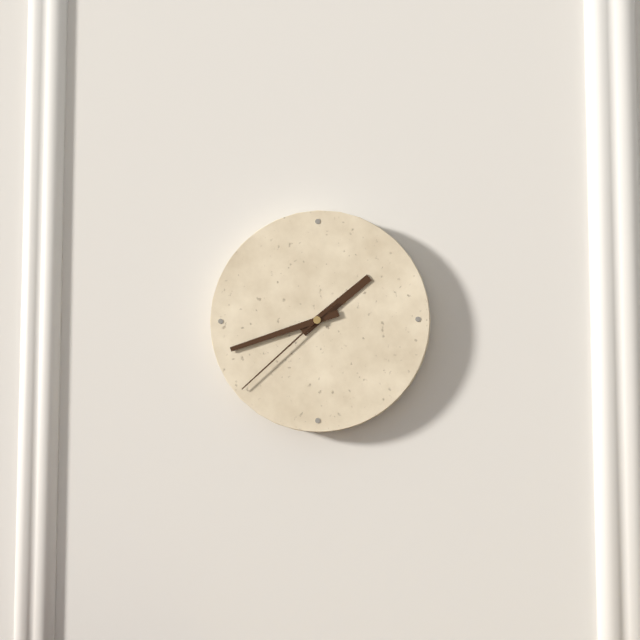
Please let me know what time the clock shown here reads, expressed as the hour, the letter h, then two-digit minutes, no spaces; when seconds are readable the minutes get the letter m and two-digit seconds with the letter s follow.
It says 1h42m38s
